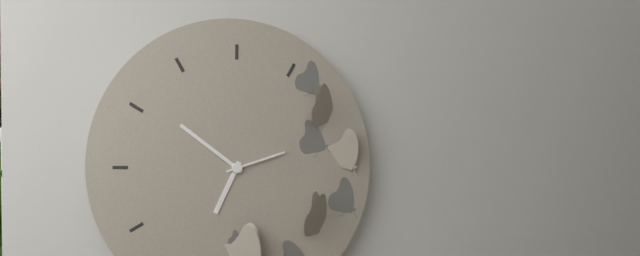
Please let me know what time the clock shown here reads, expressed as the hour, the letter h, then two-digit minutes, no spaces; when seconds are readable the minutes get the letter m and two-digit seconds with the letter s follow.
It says 6h51m12s
